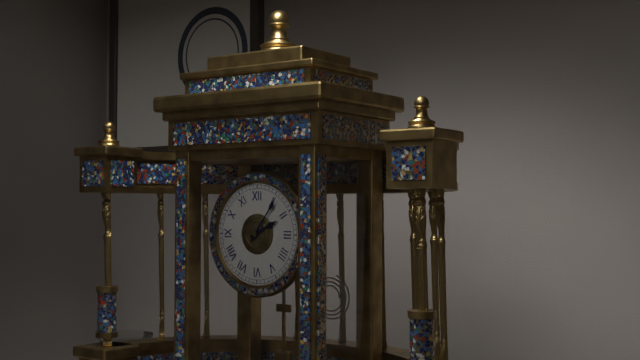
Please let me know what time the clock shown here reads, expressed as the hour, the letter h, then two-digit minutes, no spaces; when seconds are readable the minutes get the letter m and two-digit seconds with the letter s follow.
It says 2h06
